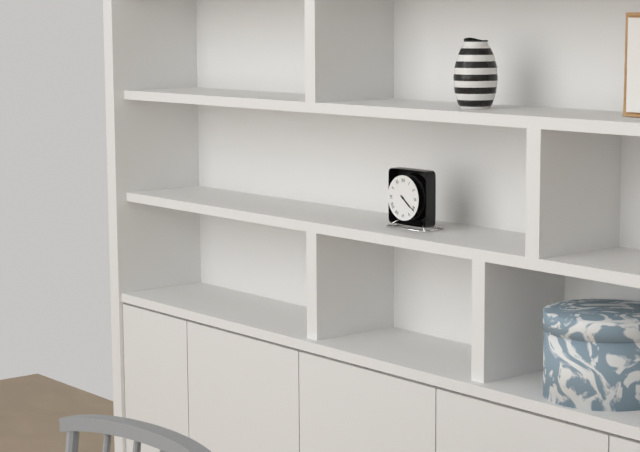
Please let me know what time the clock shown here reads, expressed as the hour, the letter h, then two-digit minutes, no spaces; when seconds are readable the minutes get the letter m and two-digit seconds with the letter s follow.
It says 4h21
